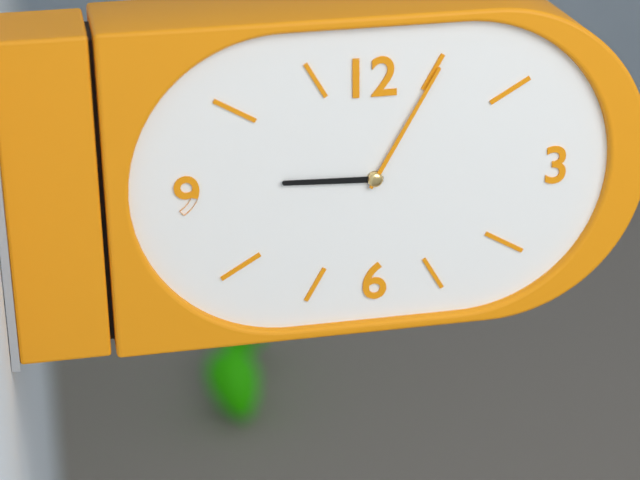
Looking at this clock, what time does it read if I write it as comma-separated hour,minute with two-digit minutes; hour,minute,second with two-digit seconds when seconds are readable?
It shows 9,05
